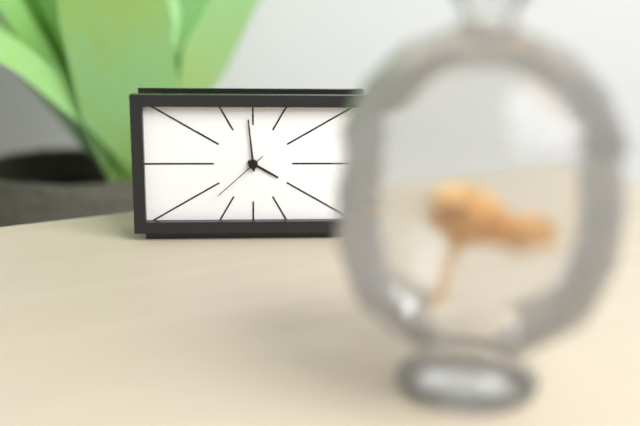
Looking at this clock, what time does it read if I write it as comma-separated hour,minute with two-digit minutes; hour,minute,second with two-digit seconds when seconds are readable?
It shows 3,59,38
